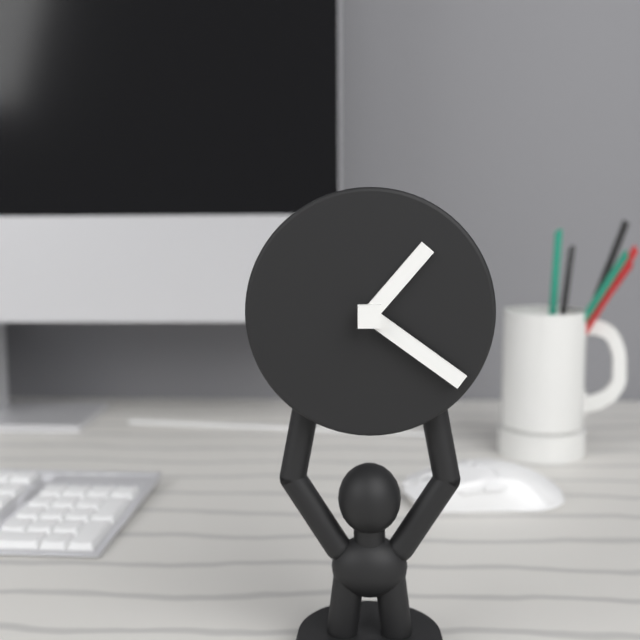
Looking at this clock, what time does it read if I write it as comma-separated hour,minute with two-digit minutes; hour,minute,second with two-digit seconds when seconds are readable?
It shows 1,21
